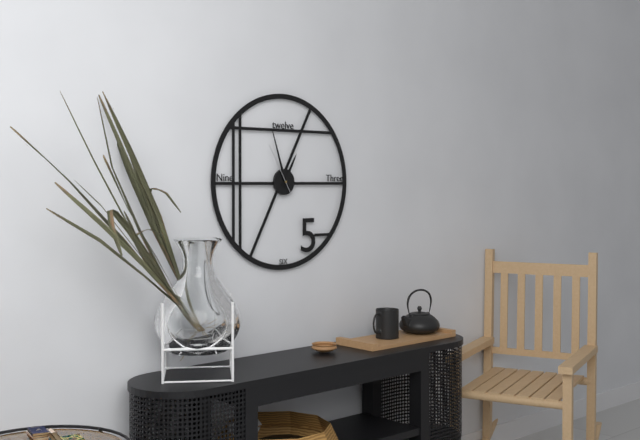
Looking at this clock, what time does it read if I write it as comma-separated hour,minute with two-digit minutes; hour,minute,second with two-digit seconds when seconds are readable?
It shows 12,57
